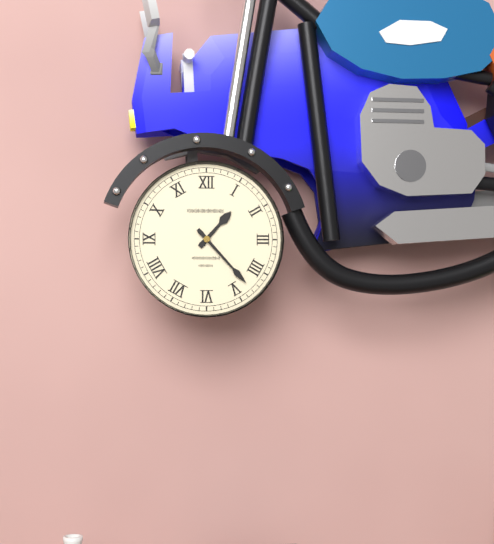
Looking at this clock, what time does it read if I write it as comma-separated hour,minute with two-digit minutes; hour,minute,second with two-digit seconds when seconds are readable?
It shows 1,23
